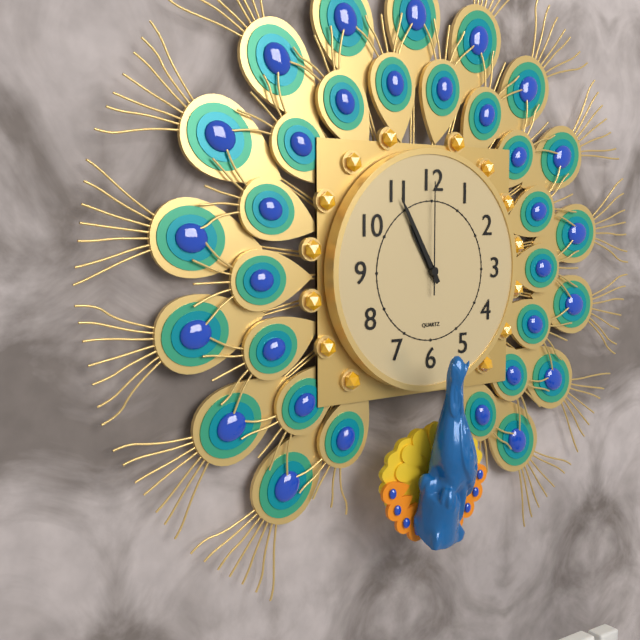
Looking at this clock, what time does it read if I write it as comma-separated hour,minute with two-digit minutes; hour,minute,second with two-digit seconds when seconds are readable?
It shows 10,55,00
